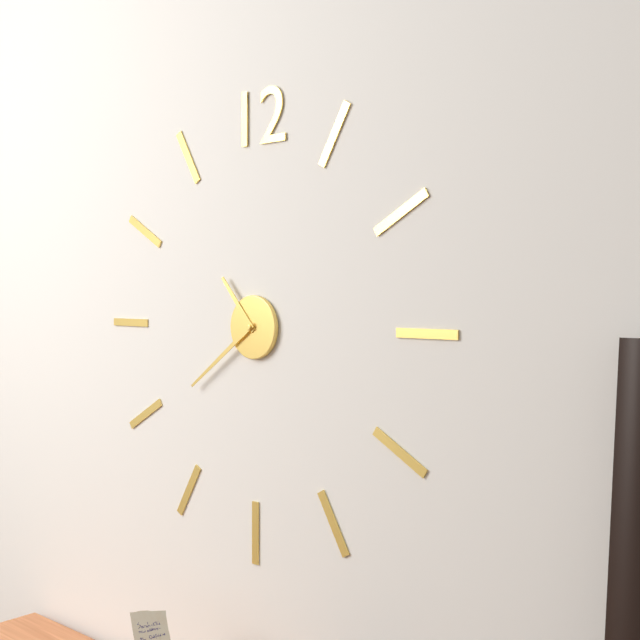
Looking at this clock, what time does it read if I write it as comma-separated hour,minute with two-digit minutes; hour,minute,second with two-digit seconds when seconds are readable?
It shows 10,39
